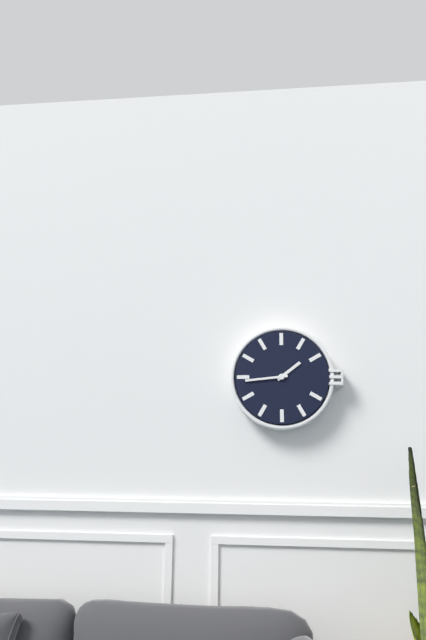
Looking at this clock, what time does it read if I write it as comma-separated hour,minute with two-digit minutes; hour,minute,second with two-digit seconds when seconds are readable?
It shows 1,44
